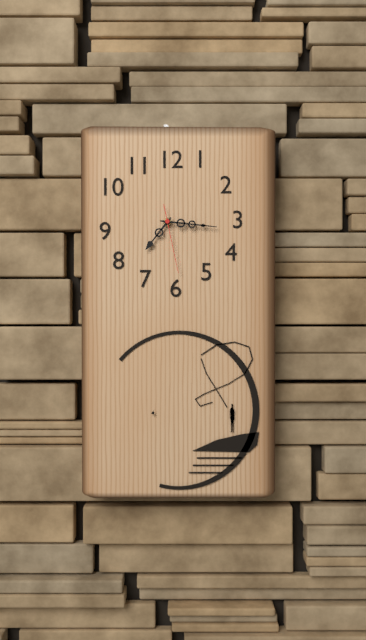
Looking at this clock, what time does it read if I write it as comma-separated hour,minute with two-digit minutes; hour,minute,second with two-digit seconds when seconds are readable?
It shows 7,16,28
